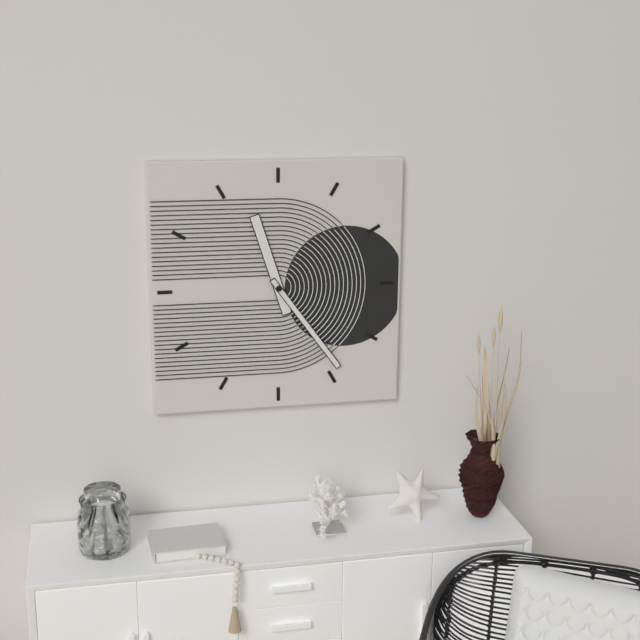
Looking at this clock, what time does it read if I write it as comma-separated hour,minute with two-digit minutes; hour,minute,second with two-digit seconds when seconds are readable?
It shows 11,24
